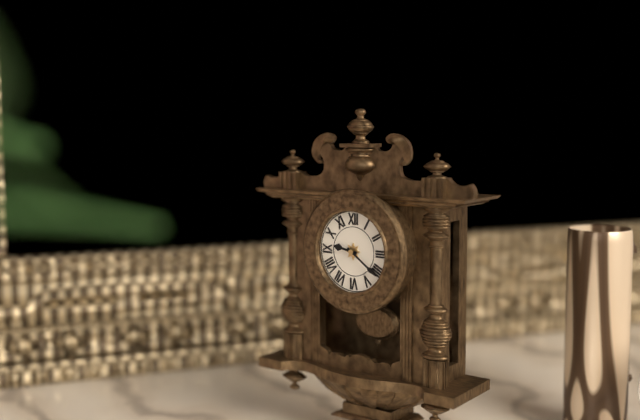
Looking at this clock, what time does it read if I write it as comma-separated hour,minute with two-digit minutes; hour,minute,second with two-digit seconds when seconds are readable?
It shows 9,21
